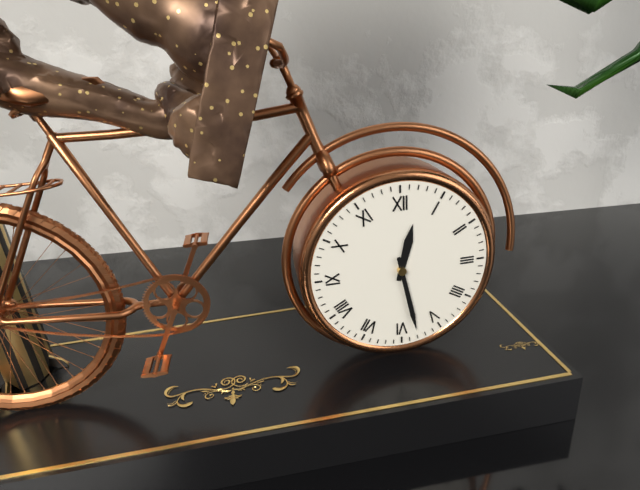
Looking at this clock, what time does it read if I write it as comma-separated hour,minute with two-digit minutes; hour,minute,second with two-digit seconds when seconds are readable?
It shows 12,28
